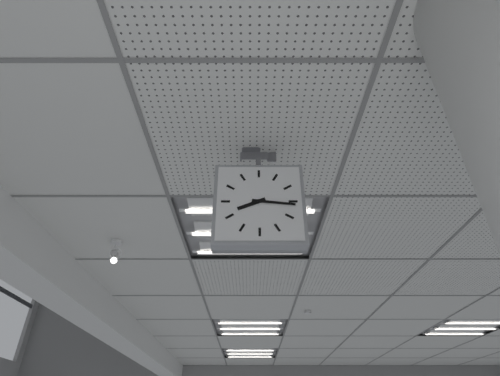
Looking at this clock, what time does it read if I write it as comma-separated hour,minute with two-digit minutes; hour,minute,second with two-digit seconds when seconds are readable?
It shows 8,16
